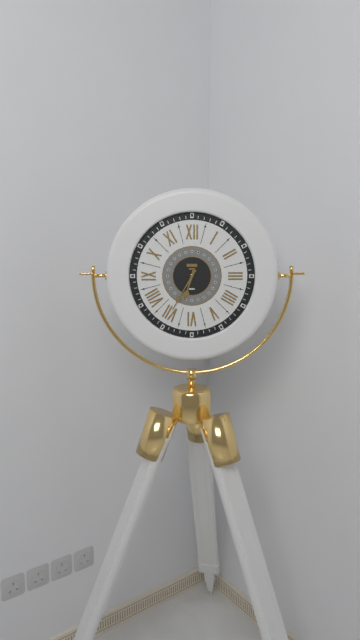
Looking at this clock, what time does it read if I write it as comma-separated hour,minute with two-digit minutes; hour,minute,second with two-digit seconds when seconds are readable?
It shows 6,35
